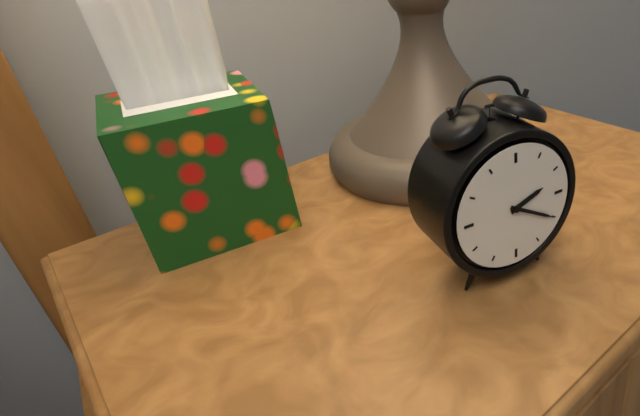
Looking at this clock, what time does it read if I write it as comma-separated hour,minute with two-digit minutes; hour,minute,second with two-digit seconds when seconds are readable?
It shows 2,20
